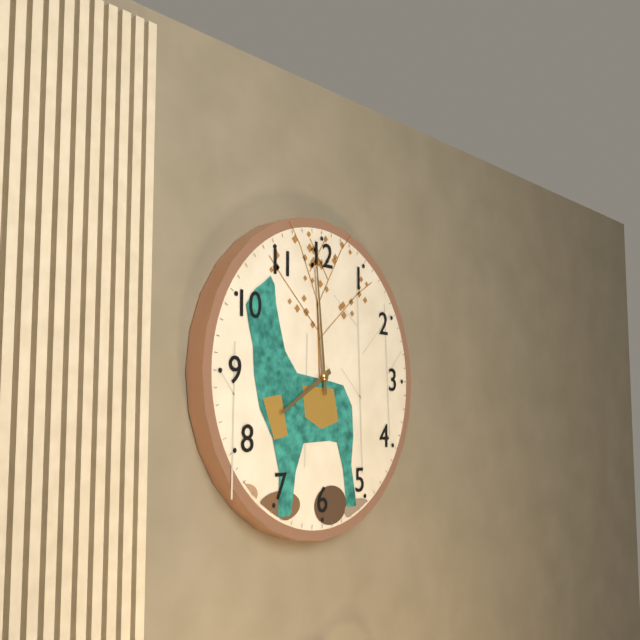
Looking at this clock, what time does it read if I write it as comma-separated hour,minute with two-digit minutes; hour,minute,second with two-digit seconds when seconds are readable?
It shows 7,59
